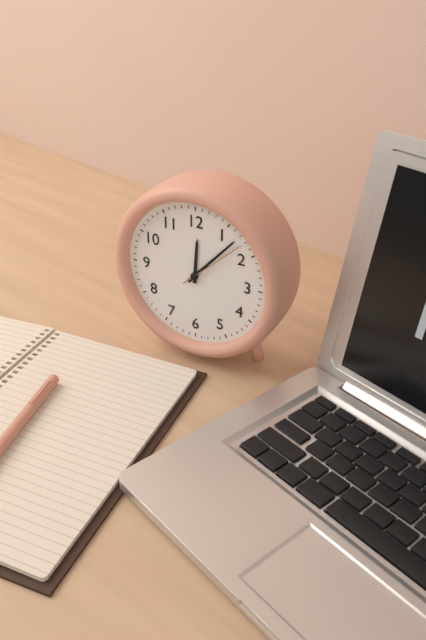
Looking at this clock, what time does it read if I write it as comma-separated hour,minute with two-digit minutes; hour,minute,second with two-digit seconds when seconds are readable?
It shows 12,07,08
